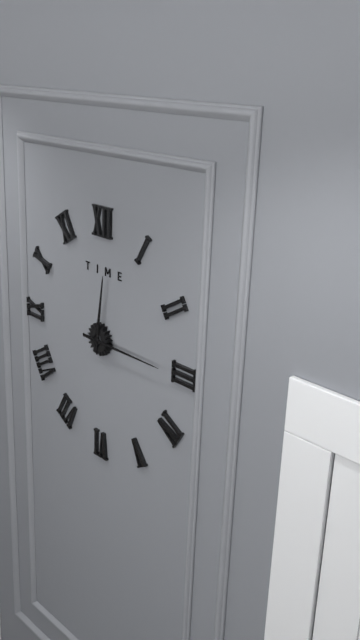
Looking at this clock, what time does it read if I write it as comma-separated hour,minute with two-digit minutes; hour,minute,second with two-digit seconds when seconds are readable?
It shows 12,15
